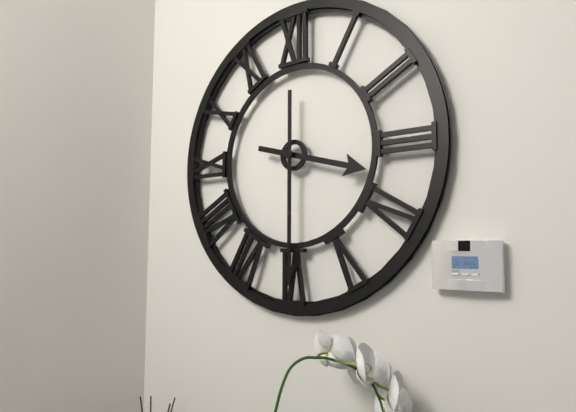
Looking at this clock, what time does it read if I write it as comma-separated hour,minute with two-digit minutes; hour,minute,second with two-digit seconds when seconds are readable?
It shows 3,30
